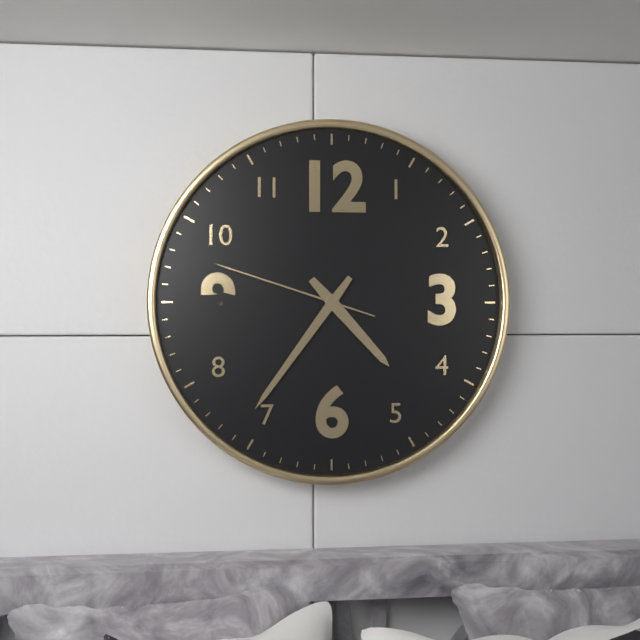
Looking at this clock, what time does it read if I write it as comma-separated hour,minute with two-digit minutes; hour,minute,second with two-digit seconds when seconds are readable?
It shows 4,36,48
